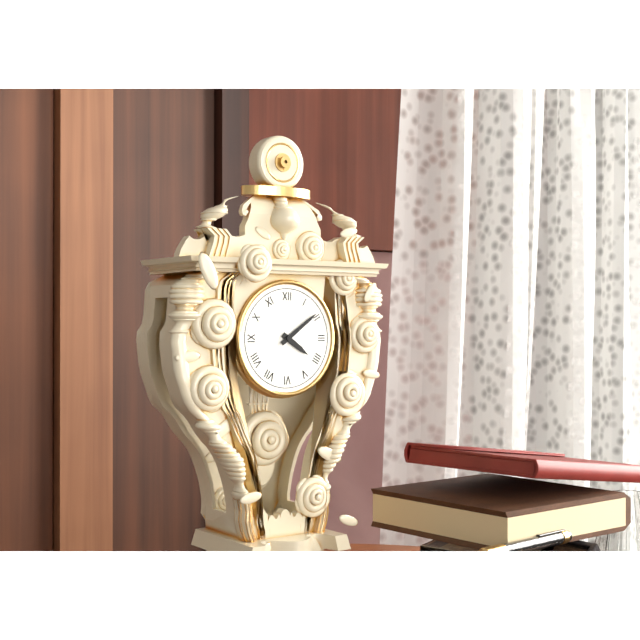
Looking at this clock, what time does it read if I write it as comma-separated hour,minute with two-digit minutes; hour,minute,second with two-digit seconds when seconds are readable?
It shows 4,09
